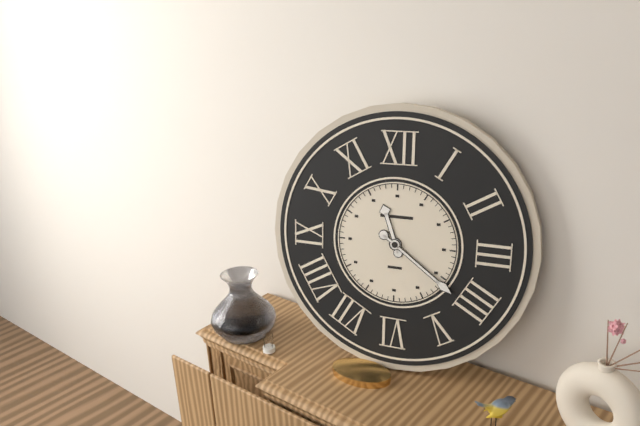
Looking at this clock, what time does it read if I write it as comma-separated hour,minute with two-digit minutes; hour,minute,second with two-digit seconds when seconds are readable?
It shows 11,21
